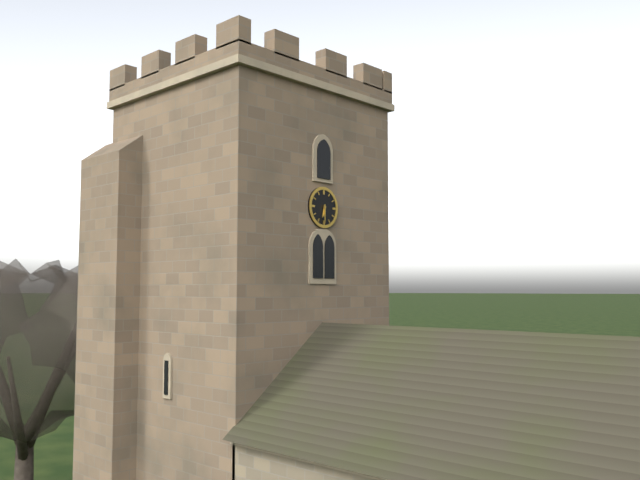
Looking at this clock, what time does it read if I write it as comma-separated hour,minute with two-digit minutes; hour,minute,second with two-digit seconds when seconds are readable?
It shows 6,30
